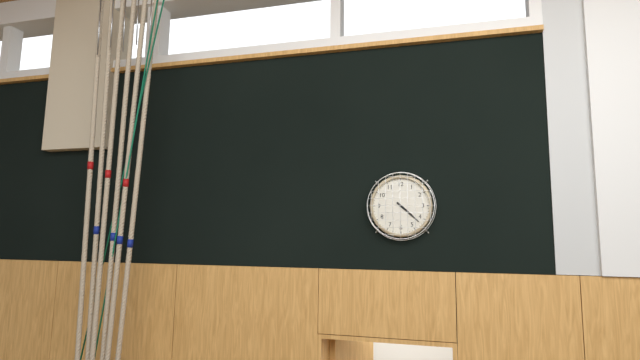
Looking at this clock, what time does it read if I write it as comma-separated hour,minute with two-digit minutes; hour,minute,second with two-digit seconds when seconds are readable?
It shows 4,22
